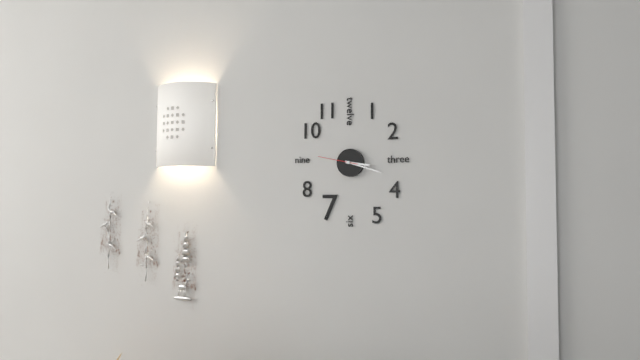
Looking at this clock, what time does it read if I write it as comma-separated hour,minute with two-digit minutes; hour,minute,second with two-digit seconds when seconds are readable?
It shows 3,18
